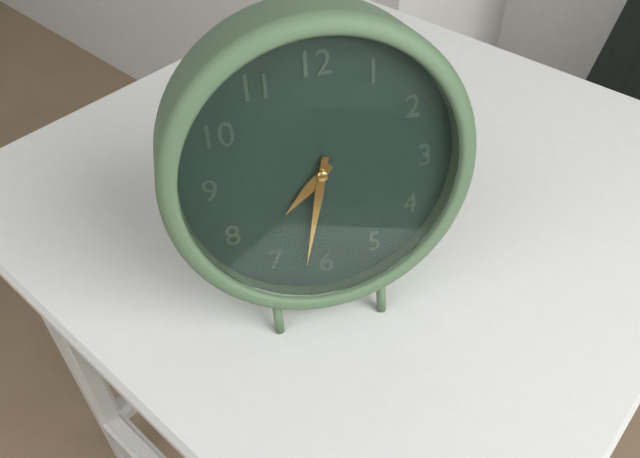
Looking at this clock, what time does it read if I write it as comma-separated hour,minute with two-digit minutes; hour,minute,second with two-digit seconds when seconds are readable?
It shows 7,32
